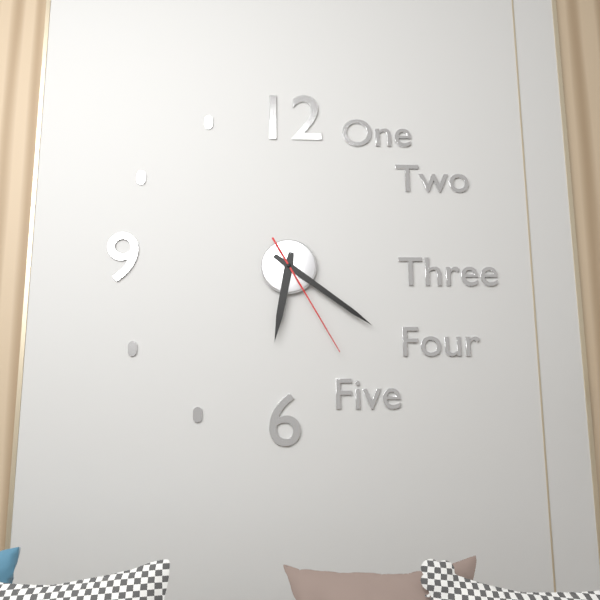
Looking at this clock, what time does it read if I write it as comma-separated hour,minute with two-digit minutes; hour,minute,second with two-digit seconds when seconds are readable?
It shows 6,21,25
